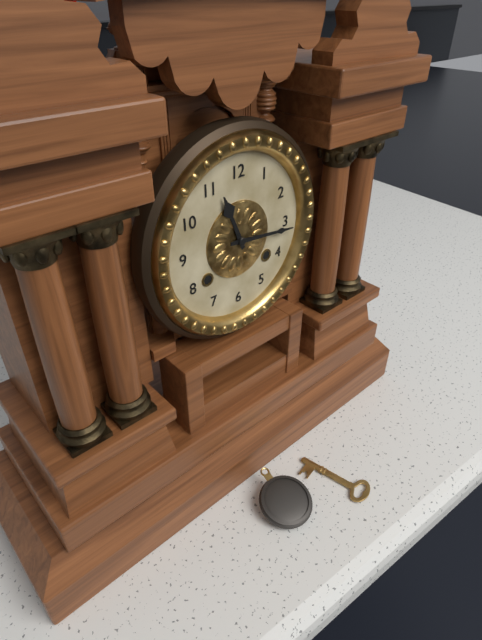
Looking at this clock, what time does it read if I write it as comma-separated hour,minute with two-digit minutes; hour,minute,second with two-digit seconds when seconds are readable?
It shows 11,16
